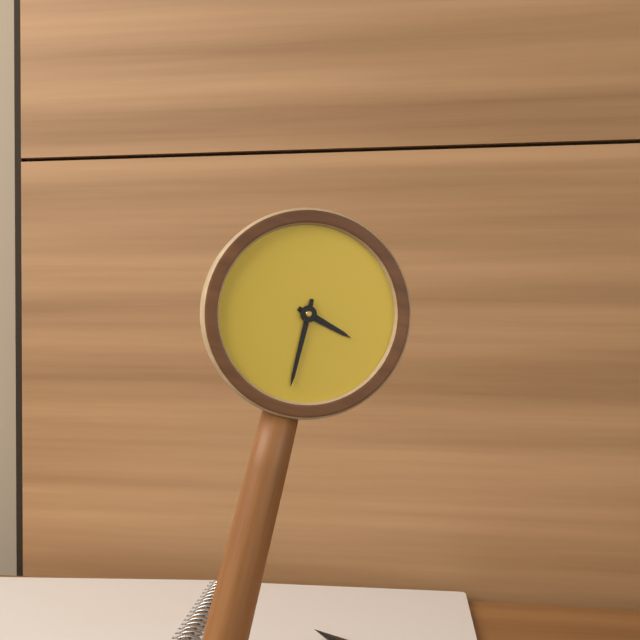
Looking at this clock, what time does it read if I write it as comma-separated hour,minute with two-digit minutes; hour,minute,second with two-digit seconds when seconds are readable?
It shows 3,30
